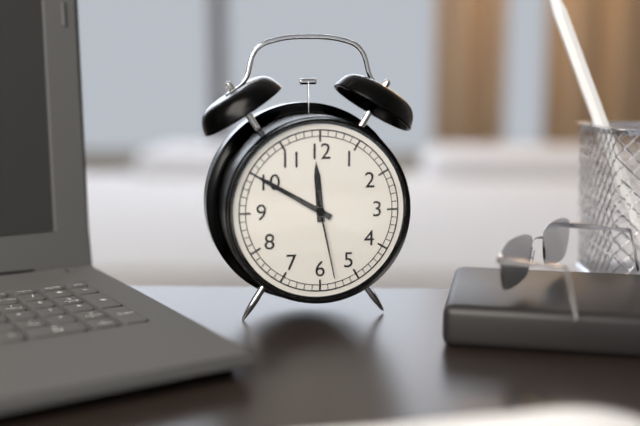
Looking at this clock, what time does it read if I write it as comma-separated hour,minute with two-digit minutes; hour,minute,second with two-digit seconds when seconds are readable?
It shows 11,50,28
